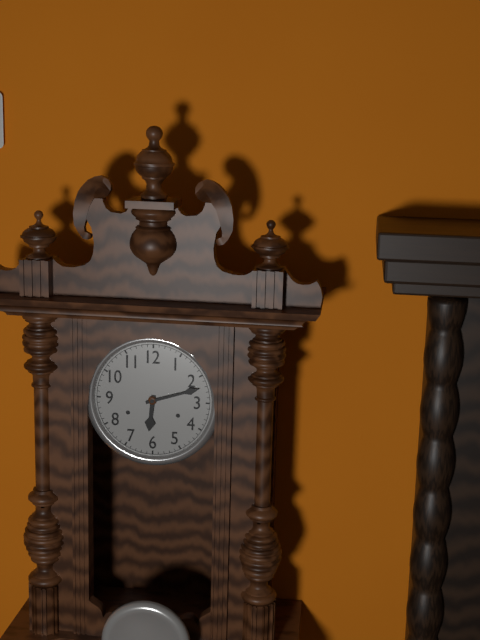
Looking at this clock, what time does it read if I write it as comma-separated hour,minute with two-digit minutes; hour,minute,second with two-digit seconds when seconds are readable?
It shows 6,12
